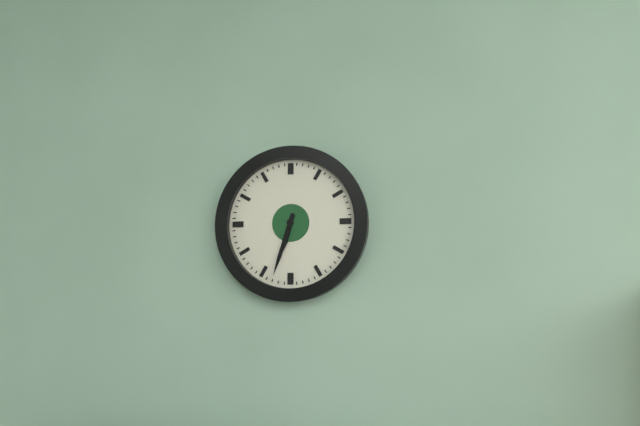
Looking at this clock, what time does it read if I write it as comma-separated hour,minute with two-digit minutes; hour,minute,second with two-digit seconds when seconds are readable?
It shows 6,33
